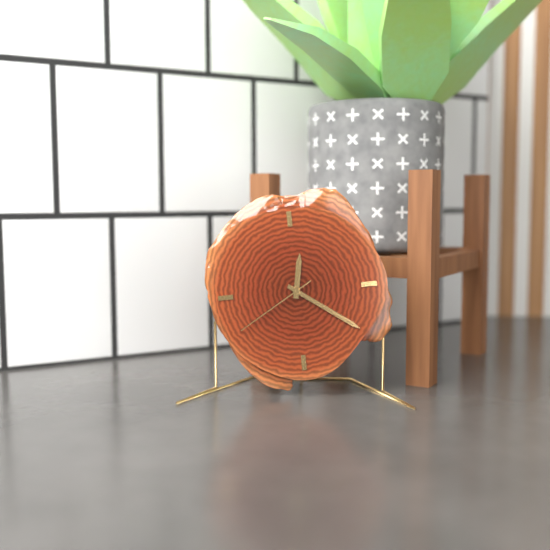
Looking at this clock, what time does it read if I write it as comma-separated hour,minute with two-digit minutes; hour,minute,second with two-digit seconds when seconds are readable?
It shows 12,21,40
